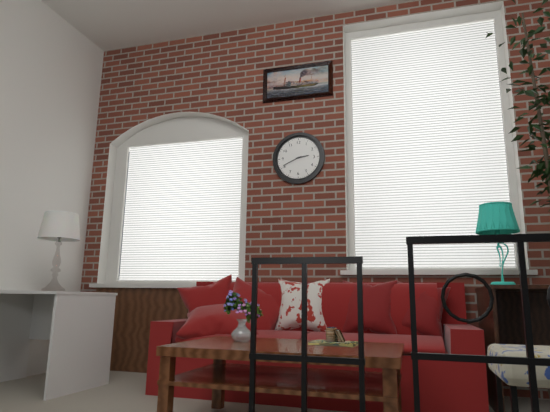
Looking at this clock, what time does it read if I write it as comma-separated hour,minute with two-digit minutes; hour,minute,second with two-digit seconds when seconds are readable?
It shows 2,41
